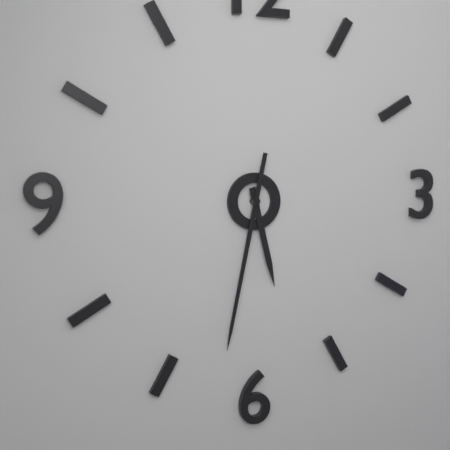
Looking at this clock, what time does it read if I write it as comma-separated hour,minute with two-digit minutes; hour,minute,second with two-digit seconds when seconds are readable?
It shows 5,32
